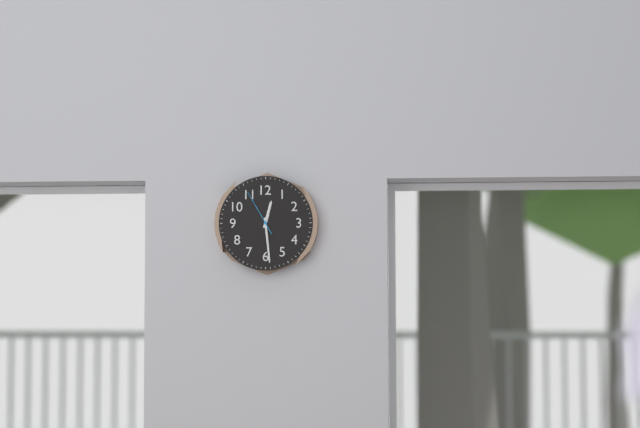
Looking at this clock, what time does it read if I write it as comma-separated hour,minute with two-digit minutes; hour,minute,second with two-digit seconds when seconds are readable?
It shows 12,29
